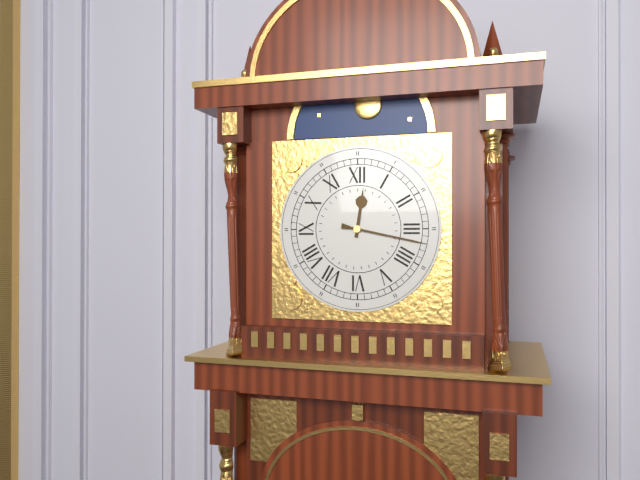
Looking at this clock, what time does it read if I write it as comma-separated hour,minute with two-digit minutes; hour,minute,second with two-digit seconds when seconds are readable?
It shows 12,17
